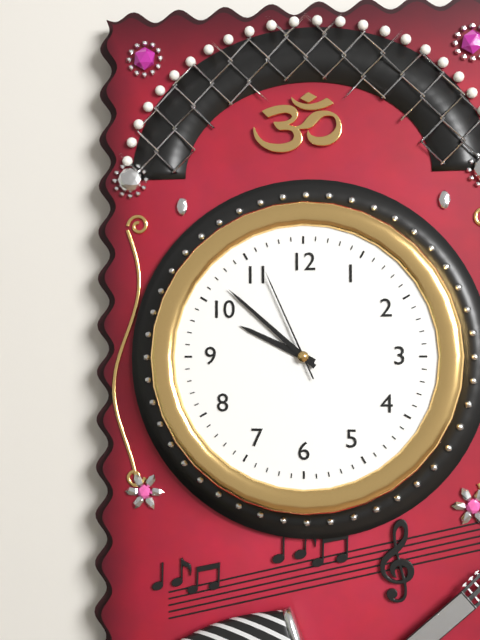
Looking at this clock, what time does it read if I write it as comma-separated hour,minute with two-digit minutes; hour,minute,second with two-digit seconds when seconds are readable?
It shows 9,52,56
